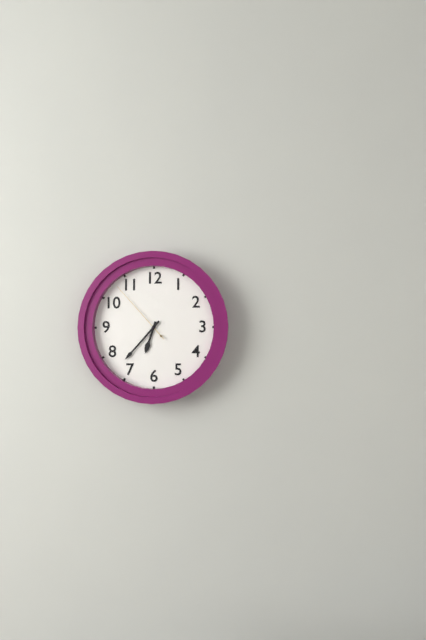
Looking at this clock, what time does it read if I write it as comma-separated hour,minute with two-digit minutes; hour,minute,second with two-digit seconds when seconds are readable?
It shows 6,37,53
